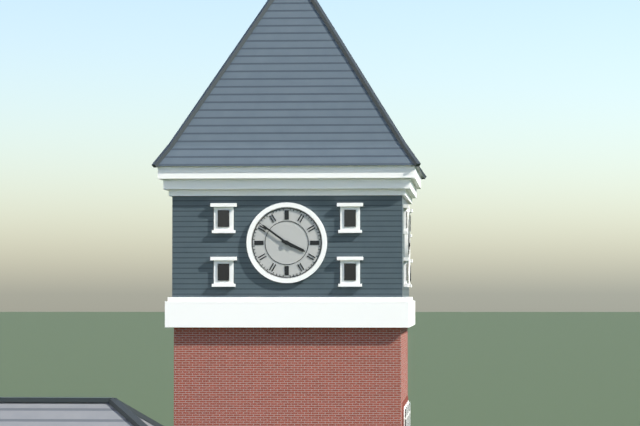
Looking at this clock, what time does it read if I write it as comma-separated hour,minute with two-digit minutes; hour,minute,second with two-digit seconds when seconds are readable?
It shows 3,51
